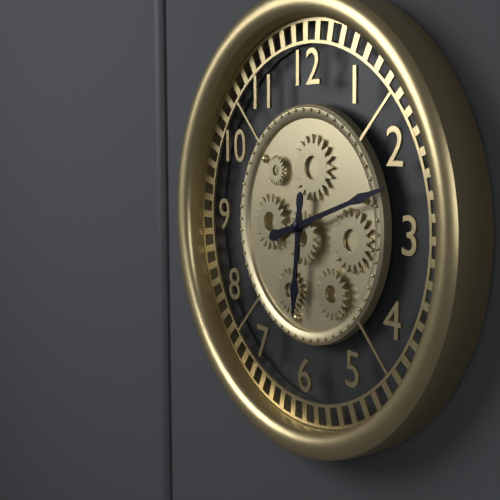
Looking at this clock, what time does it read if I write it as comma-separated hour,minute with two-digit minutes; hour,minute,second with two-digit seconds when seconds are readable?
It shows 6,12
